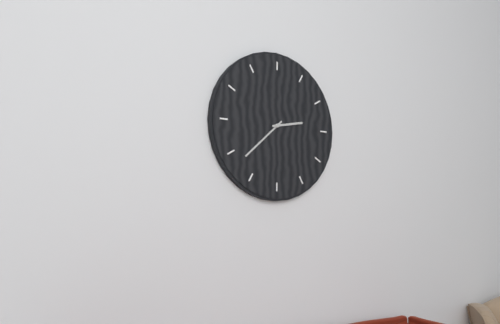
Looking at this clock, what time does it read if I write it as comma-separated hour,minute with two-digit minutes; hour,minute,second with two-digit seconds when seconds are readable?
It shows 2,38
